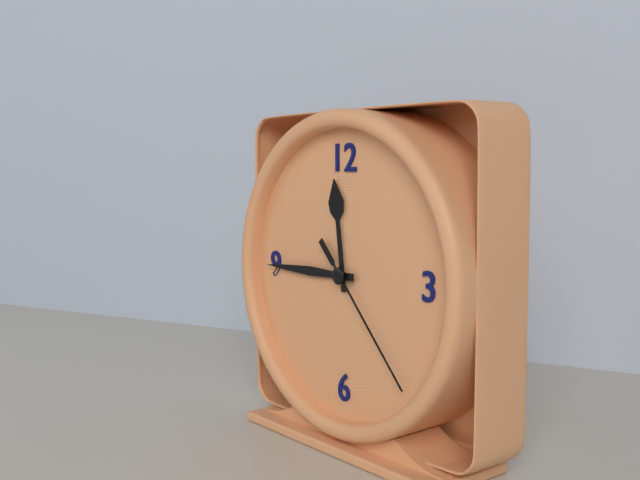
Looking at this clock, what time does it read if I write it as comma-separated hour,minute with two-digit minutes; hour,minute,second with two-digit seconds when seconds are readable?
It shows 11,45,23
